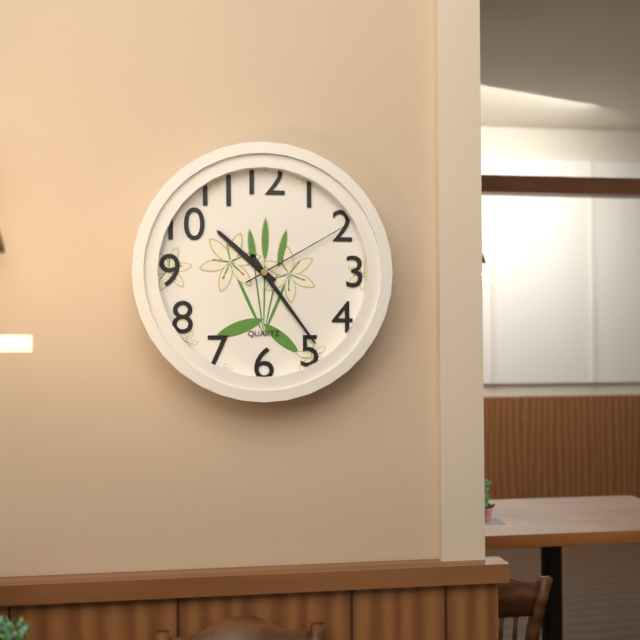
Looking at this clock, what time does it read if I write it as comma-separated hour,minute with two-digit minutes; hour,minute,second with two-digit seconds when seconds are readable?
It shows 10,24,10
